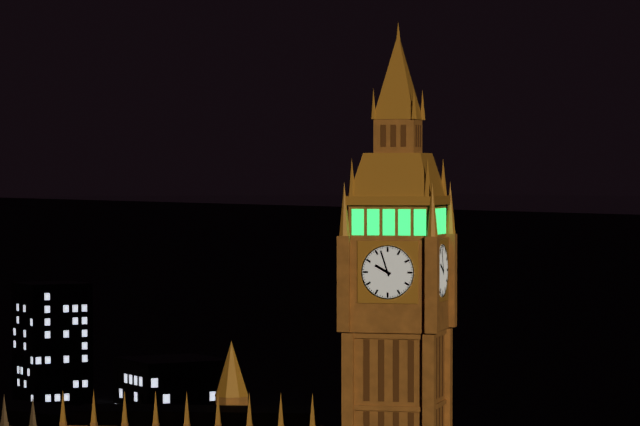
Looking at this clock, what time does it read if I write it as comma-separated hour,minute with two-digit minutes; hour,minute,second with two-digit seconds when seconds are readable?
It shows 9,57
